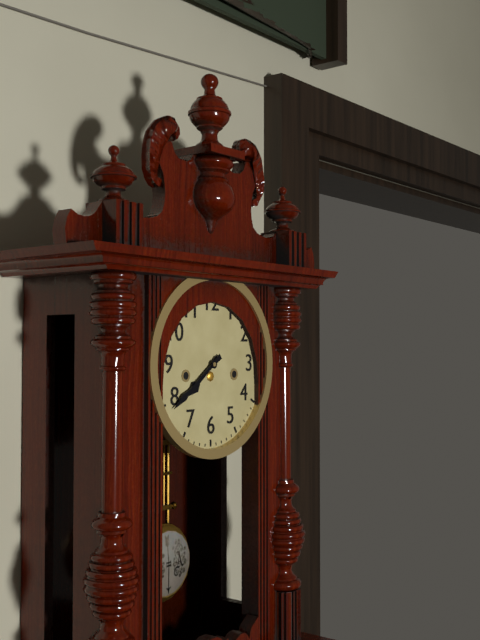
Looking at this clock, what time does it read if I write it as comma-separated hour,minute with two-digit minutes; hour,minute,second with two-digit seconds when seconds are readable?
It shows 7,39
